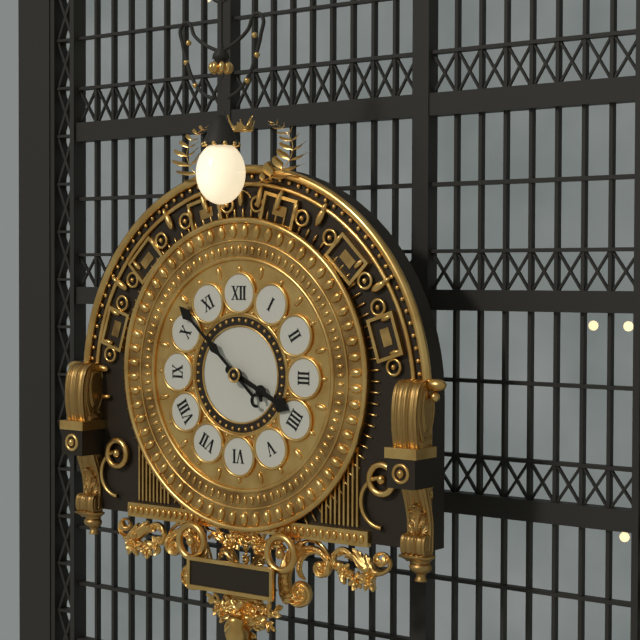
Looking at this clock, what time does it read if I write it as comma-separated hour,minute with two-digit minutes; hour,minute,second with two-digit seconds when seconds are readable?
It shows 3,52
